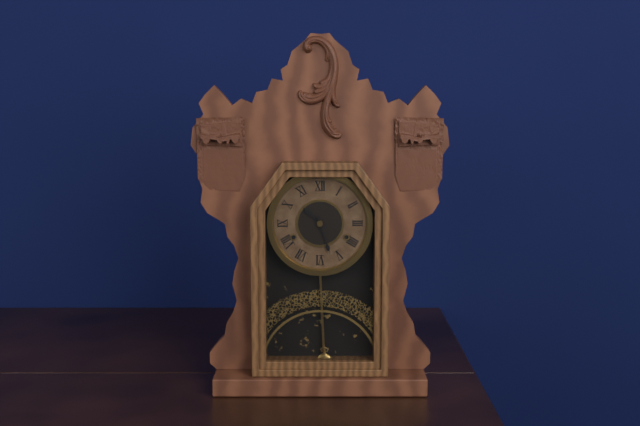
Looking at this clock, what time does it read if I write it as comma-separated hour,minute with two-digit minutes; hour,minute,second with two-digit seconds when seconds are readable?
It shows 10,27
